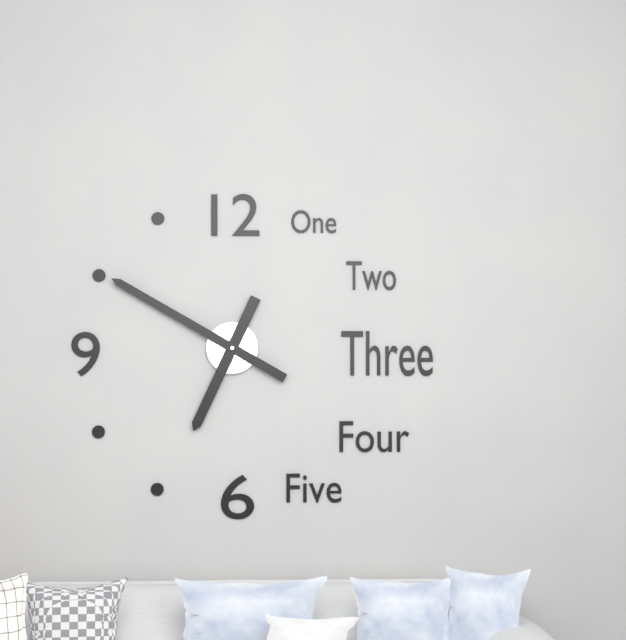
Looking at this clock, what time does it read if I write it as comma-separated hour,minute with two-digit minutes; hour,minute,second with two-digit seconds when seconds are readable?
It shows 6,50
